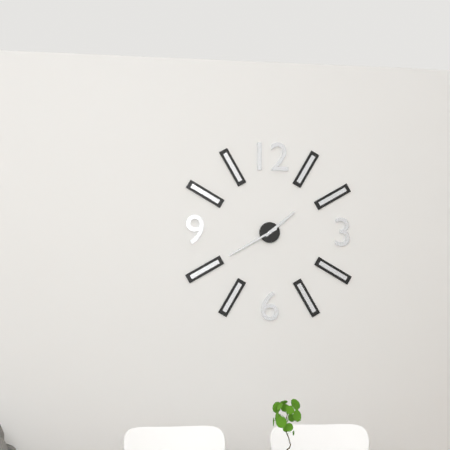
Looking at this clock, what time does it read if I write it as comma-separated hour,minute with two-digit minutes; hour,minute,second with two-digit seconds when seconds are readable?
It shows 1,40
